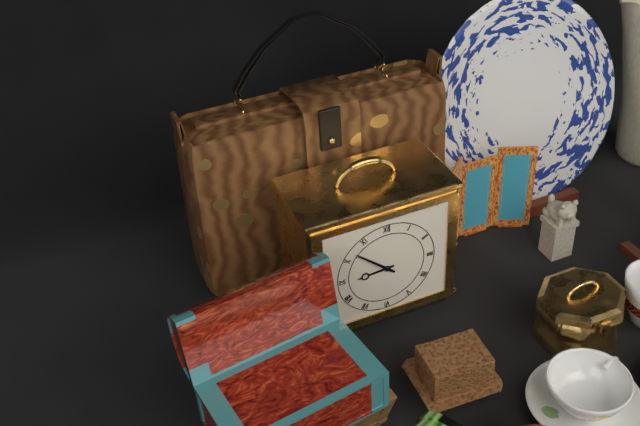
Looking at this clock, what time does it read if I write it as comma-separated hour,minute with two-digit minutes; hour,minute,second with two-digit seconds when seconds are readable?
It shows 8,52
